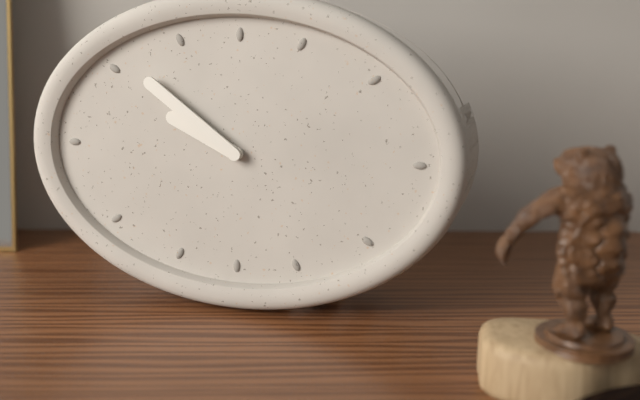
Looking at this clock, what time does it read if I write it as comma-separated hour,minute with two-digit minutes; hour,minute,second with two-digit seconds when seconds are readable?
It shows 9,51
